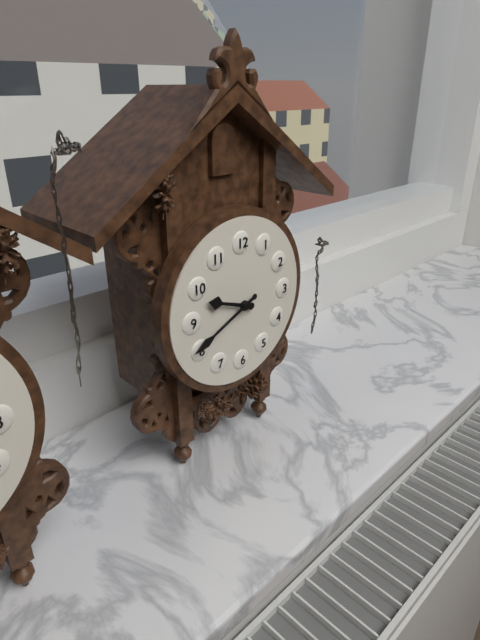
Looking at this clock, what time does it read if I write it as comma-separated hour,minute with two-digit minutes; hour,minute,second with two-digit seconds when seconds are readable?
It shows 9,41
